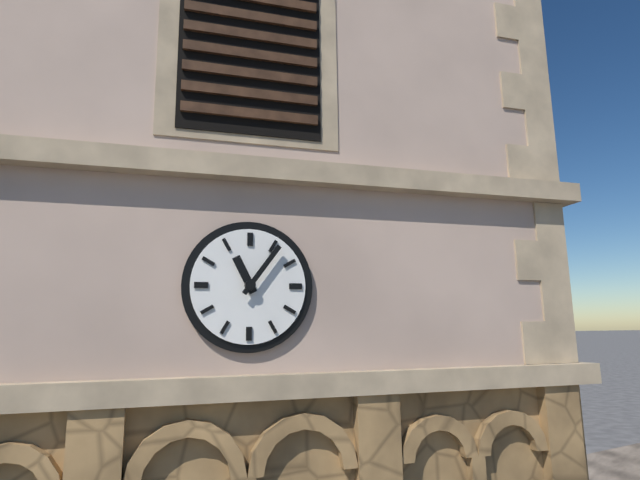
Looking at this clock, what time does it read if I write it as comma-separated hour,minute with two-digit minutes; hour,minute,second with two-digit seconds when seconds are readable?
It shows 11,06
